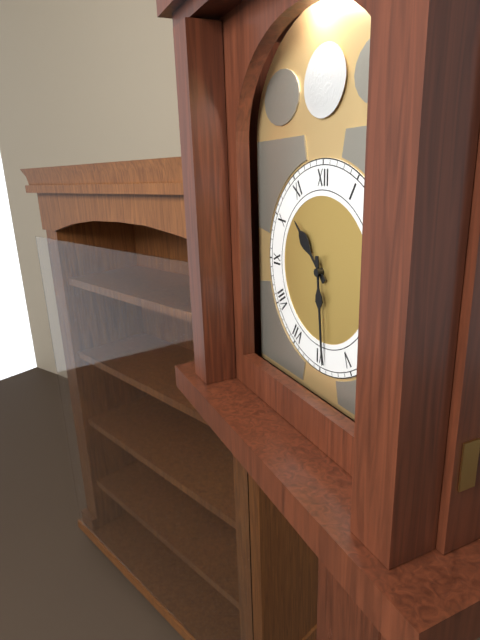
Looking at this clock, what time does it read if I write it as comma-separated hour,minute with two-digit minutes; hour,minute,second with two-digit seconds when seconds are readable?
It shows 10,29
